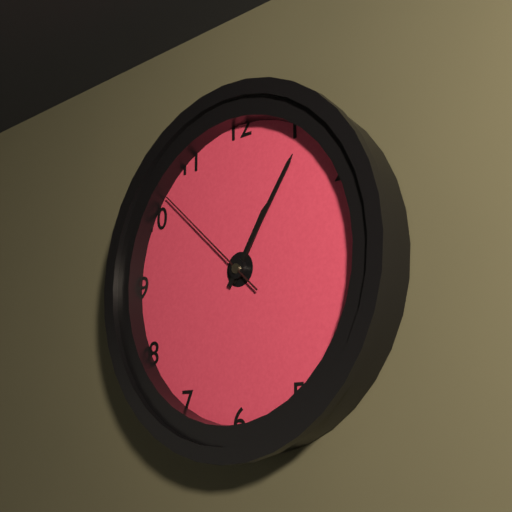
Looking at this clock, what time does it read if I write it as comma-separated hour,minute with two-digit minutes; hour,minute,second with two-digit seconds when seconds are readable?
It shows 1,06,52
